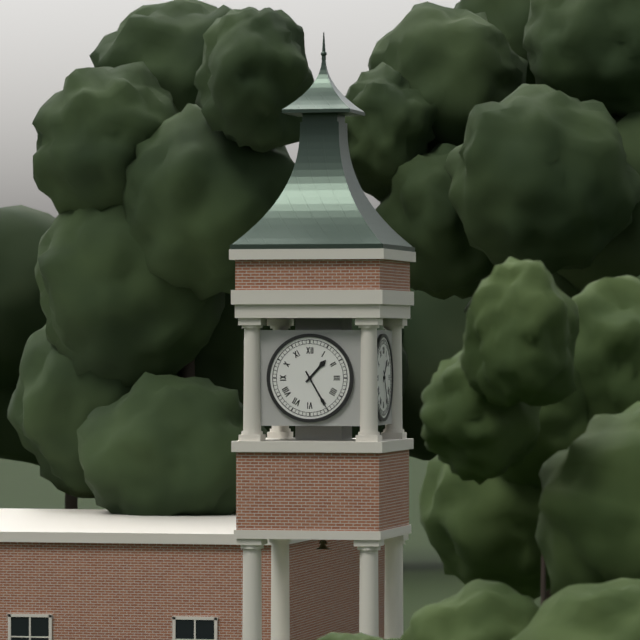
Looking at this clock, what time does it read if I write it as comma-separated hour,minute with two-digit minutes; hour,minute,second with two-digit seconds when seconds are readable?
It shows 1,25
